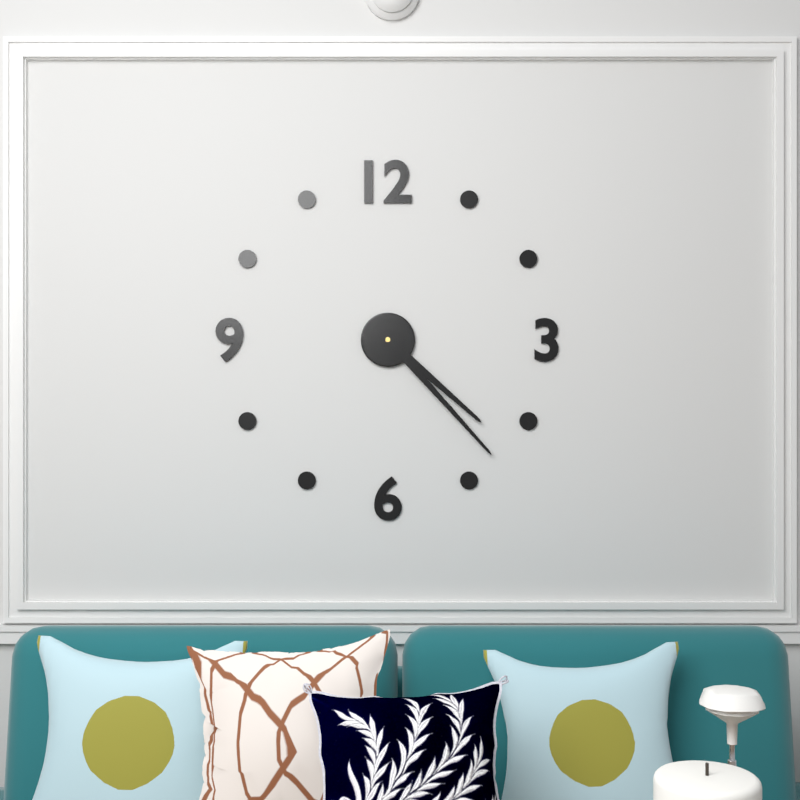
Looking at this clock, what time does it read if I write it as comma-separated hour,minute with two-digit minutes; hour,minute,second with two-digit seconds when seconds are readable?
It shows 4,23
